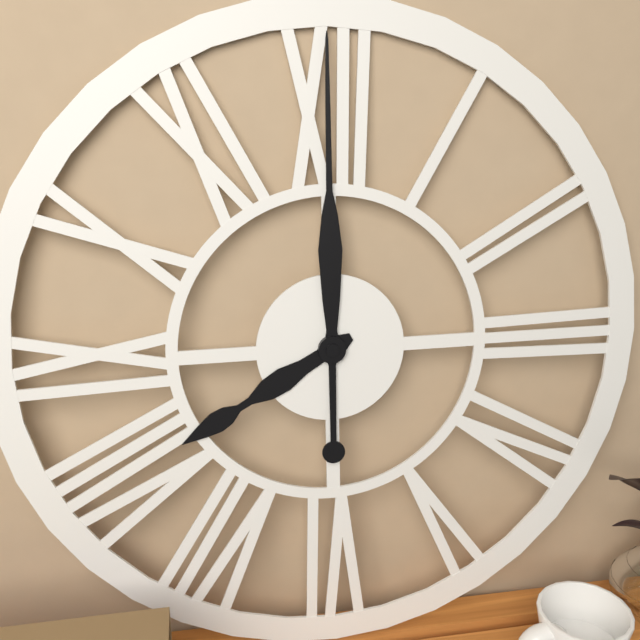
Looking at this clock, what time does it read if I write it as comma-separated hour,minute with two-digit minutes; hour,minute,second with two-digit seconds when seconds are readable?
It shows 8,00
